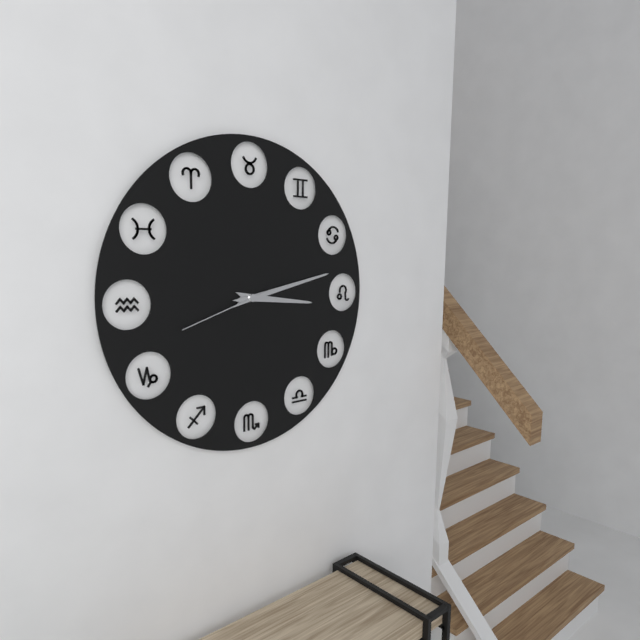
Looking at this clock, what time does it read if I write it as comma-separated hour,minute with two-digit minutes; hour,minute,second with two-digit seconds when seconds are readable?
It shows 3,13,42
